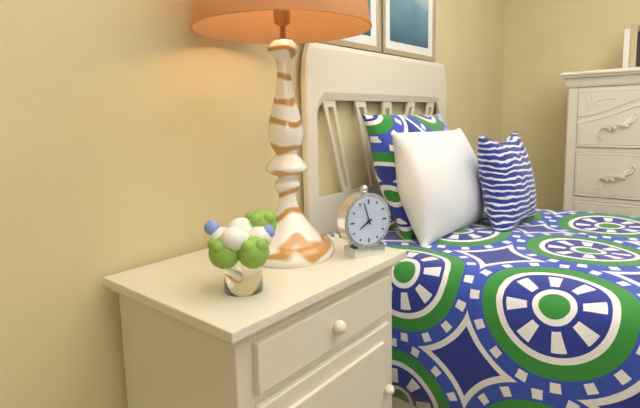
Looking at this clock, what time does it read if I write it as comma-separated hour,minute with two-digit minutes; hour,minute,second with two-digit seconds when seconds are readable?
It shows 7,57
